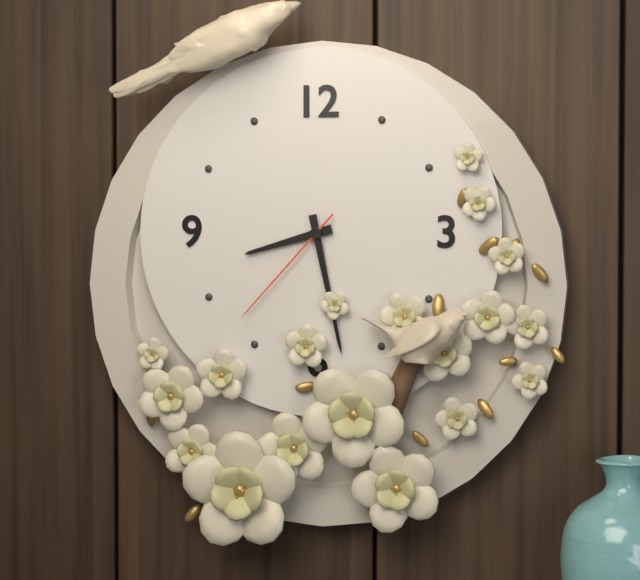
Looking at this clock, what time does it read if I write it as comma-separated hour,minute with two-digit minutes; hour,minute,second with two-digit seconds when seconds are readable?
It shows 8,28,37
